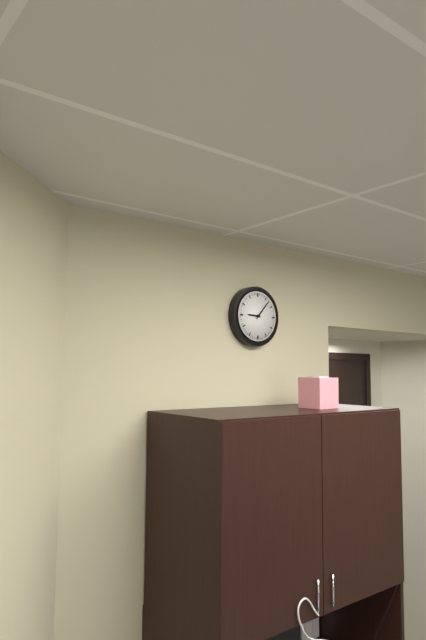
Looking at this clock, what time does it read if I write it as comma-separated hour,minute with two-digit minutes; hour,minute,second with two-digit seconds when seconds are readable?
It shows 9,07
